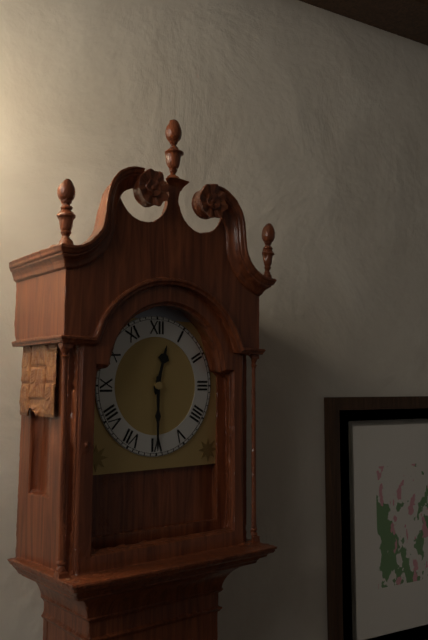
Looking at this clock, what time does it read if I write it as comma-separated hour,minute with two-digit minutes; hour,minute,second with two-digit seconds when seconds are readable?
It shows 12,30
